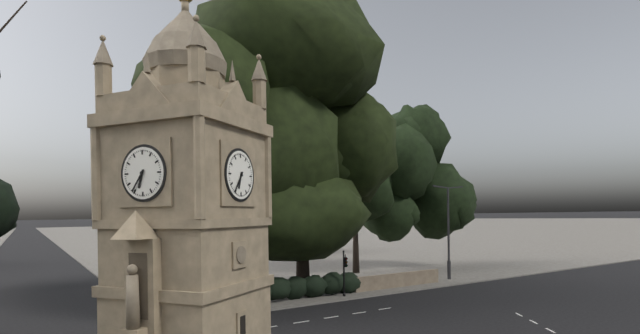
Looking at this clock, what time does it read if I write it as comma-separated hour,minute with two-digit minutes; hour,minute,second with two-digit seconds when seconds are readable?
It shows 6,36
